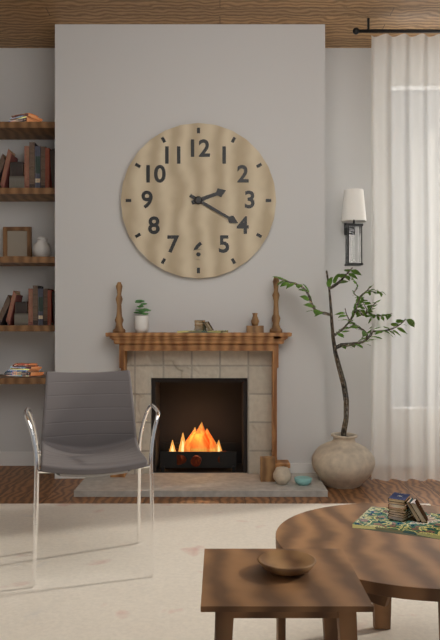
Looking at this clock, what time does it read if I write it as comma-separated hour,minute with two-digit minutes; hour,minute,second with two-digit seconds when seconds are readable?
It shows 2,20
